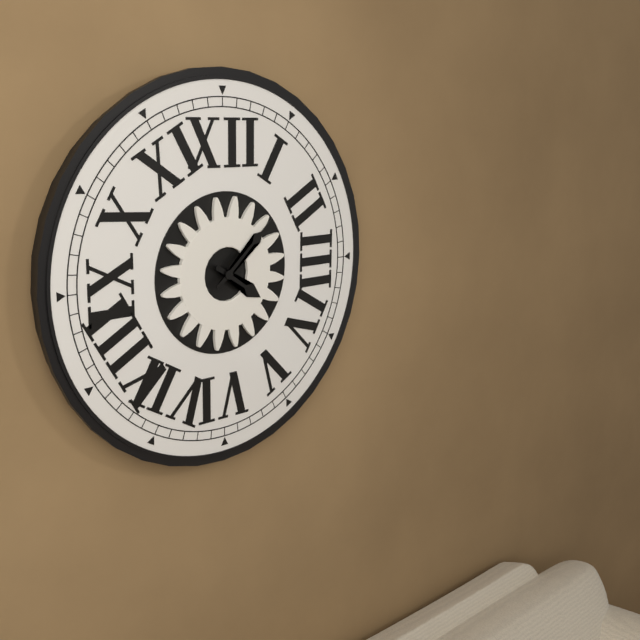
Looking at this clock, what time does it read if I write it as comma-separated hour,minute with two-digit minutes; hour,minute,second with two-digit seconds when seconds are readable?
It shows 4,08
